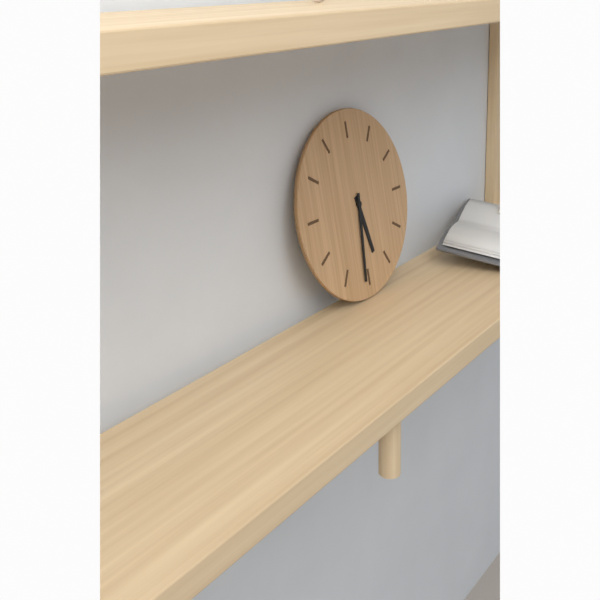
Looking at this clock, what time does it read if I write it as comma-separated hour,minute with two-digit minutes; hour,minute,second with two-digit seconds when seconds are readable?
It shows 5,31
